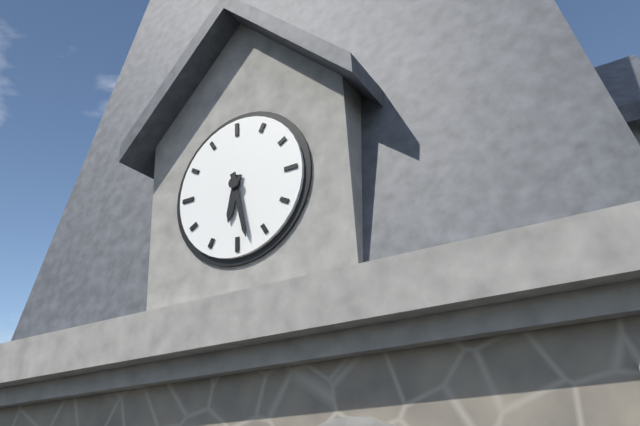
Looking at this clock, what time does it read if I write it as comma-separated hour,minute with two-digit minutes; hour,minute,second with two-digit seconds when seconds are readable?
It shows 6,28
